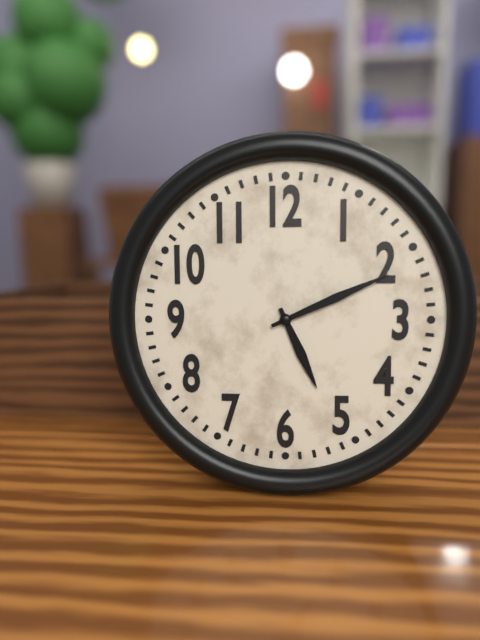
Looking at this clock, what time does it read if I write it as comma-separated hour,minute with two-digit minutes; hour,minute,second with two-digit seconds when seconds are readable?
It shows 5,11
